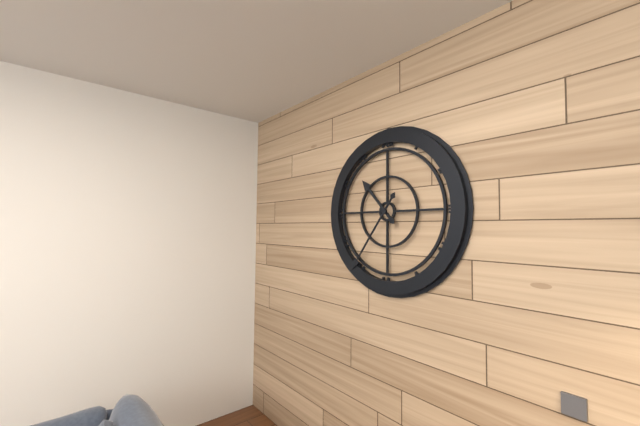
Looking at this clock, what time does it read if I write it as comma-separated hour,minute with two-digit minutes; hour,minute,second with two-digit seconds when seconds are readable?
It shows 10,36
